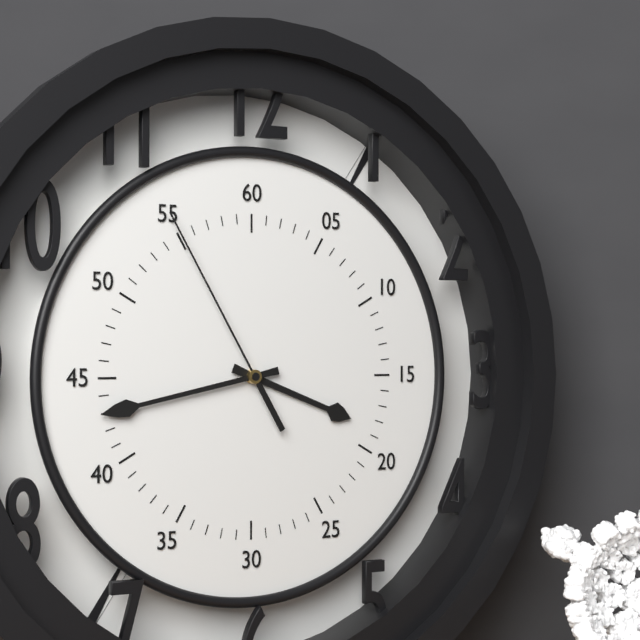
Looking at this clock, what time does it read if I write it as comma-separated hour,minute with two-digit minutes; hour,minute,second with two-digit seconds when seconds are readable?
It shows 3,43,55
